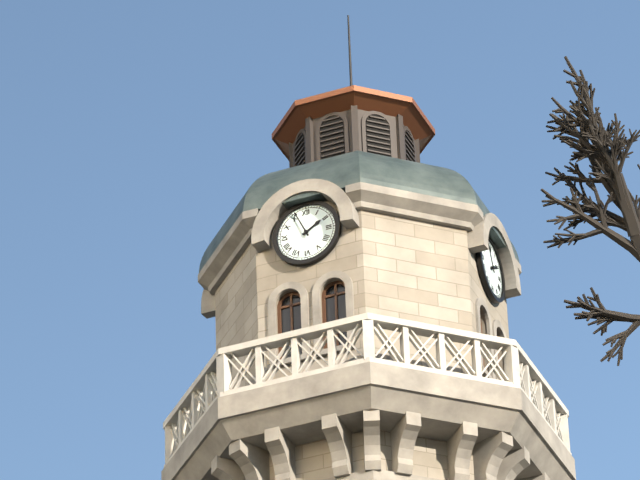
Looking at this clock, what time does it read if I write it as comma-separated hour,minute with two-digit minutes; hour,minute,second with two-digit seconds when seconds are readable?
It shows 1,56
